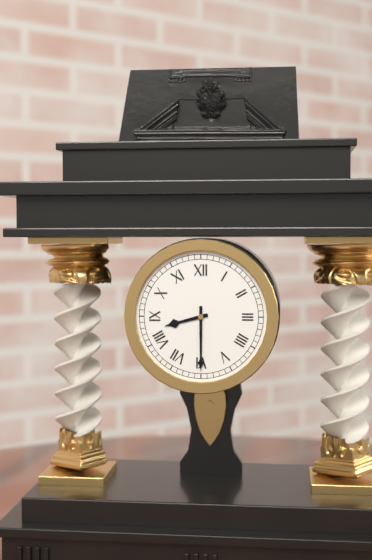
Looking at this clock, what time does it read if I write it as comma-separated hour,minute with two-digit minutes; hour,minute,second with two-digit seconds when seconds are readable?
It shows 8,30
